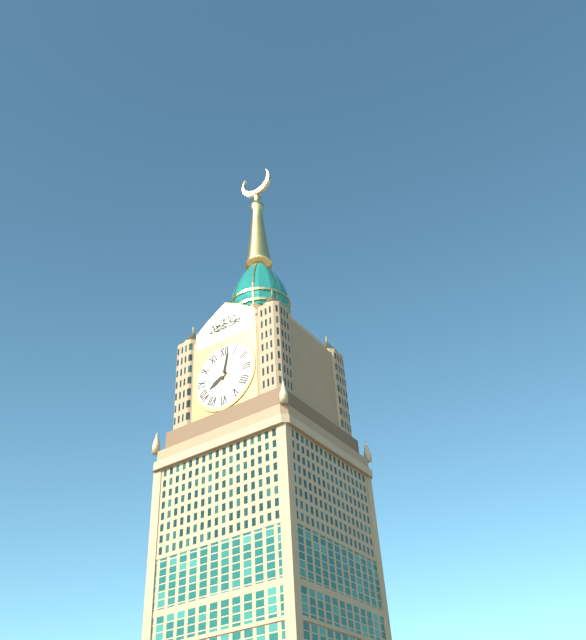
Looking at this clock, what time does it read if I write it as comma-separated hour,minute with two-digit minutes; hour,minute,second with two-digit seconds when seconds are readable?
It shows 8,02
